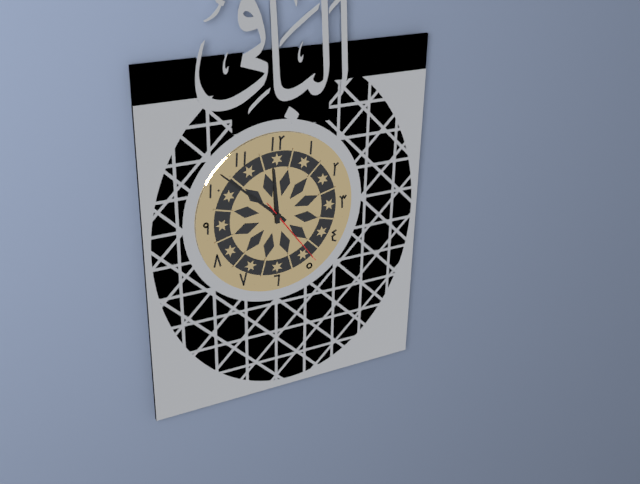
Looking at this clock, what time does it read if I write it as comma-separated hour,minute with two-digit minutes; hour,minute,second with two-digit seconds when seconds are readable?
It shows 11,52,24
